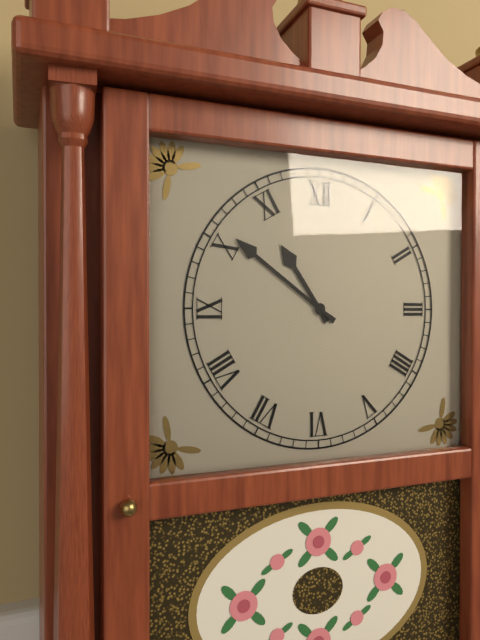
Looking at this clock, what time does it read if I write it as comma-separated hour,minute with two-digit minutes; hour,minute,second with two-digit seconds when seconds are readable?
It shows 10,51
